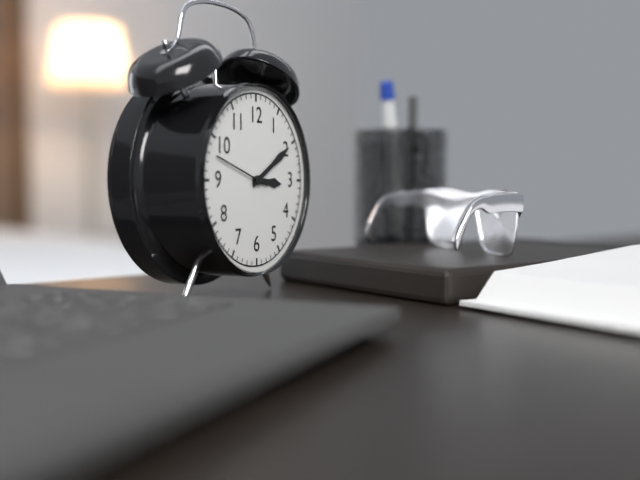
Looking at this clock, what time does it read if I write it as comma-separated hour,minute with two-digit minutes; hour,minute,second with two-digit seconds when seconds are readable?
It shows 3,10,48
